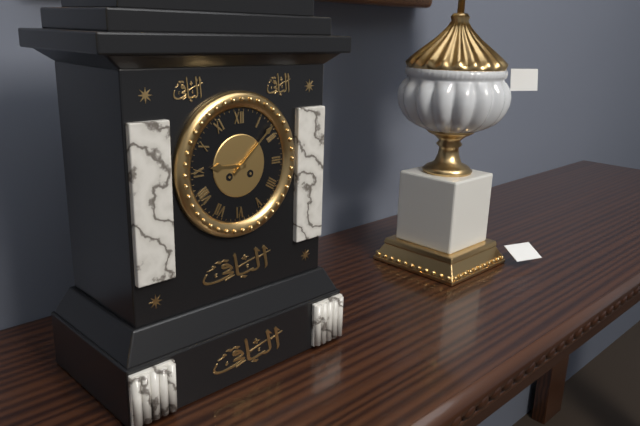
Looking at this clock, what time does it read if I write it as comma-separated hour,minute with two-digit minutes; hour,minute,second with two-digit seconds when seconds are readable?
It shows 9,08
